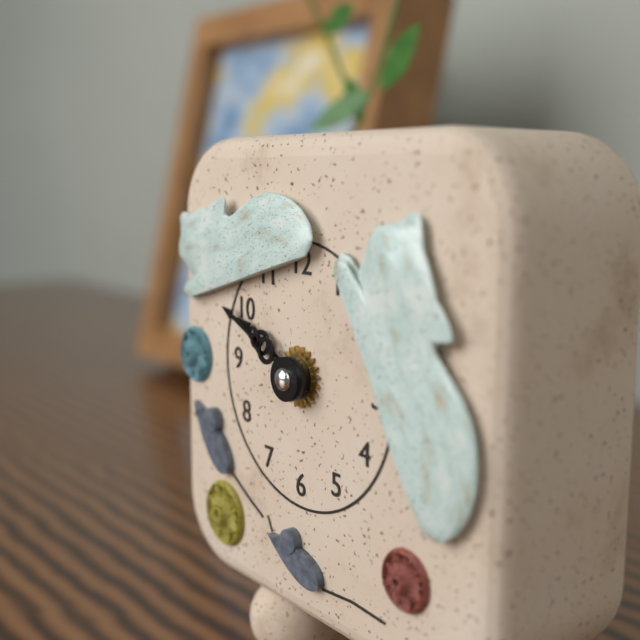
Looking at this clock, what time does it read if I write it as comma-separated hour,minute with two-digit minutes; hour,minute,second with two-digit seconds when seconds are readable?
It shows 9,49
